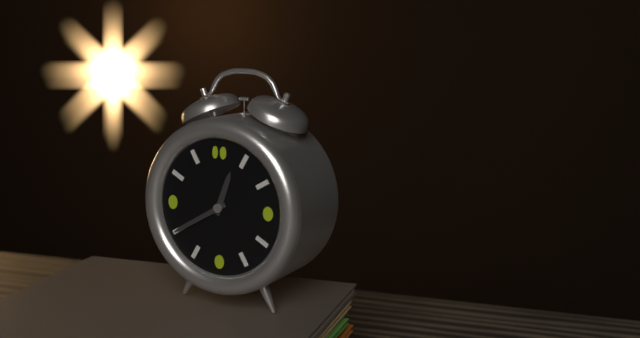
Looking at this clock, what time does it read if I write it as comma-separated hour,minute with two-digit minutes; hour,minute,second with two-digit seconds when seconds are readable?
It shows 12,40
